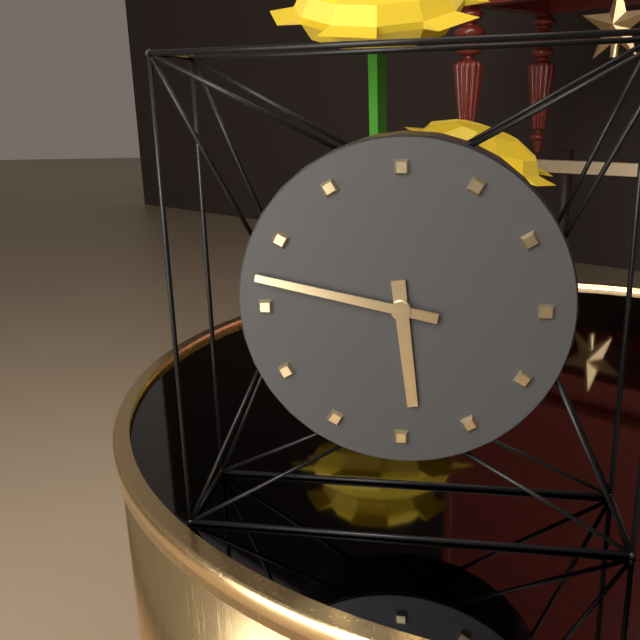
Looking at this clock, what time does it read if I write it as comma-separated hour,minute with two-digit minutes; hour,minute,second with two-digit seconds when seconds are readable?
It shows 5,47
